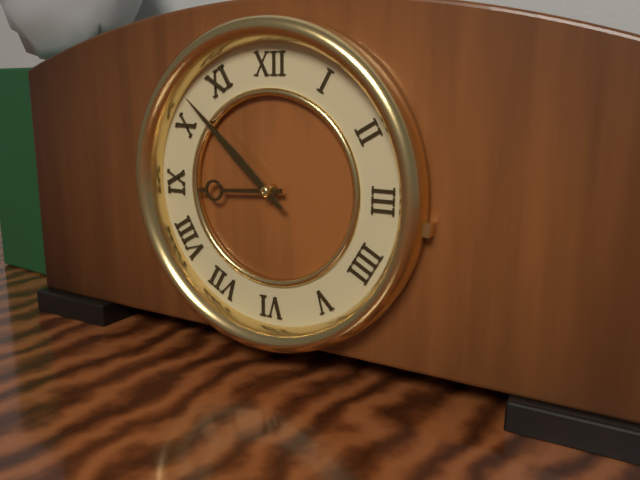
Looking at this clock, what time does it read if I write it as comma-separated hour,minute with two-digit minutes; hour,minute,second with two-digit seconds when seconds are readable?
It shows 8,52
